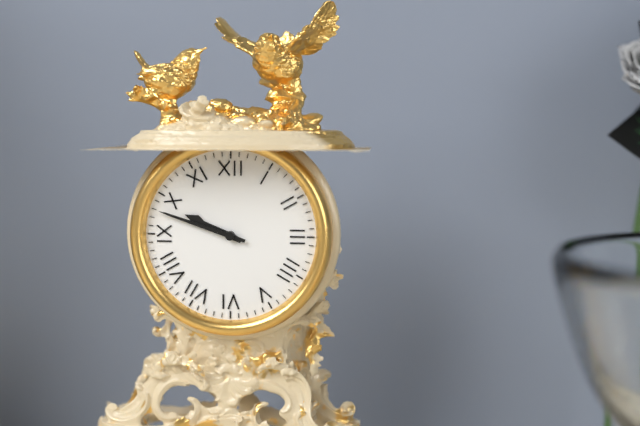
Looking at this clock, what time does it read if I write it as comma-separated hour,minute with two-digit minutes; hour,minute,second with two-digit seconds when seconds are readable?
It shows 9,48
